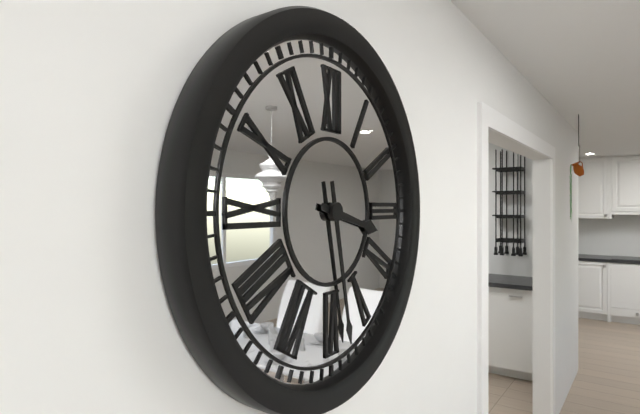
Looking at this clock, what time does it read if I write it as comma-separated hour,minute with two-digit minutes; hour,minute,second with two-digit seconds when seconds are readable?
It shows 3,28
